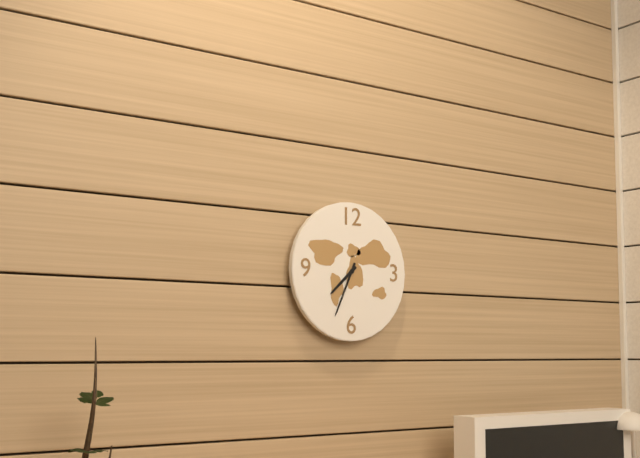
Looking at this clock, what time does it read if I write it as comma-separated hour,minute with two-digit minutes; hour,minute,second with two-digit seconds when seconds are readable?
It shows 7,34
